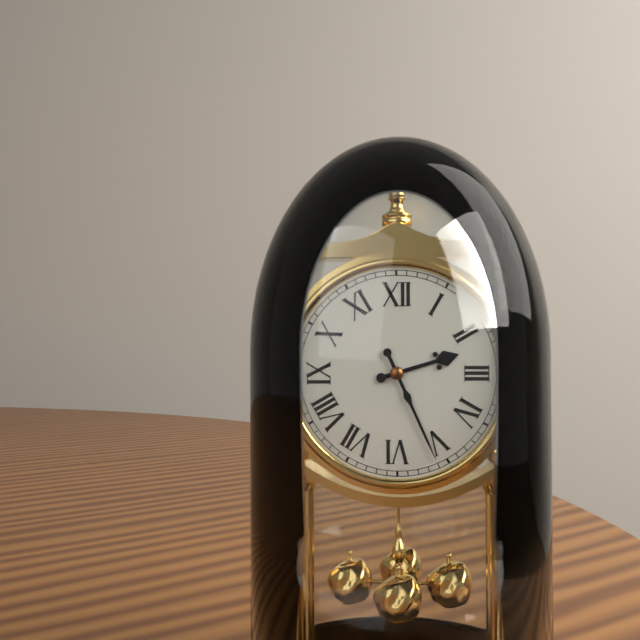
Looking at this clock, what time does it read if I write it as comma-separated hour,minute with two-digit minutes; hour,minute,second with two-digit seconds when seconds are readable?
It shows 2,26
